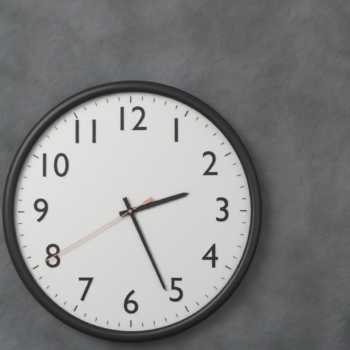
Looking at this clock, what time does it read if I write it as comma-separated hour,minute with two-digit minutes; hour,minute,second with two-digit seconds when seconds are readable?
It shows 2,26,40
